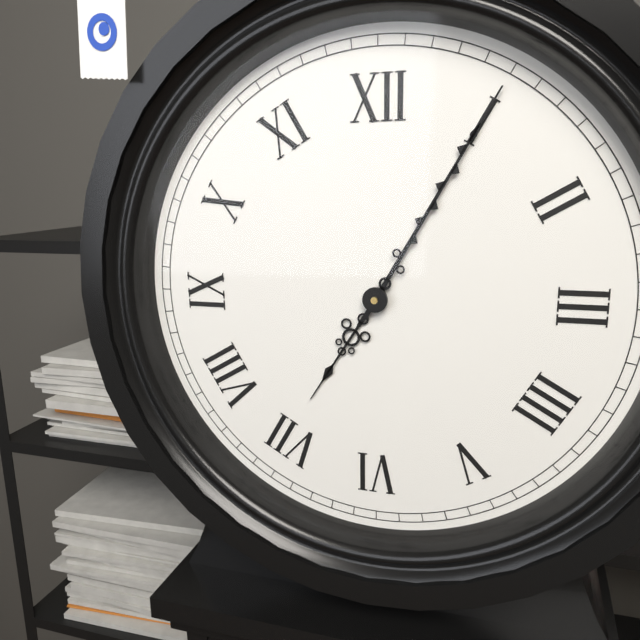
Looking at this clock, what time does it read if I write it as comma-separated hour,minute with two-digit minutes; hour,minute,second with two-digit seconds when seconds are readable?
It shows 7,05
